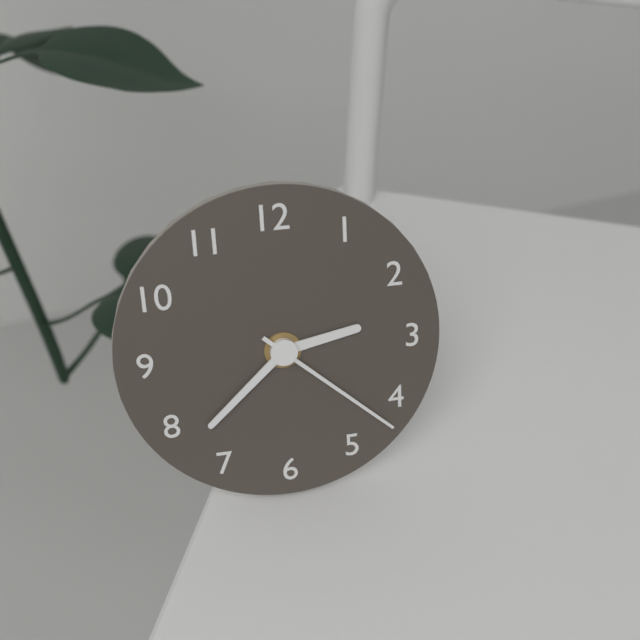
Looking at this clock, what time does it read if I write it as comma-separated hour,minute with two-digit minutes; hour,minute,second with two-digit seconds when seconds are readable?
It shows 2,38,22
